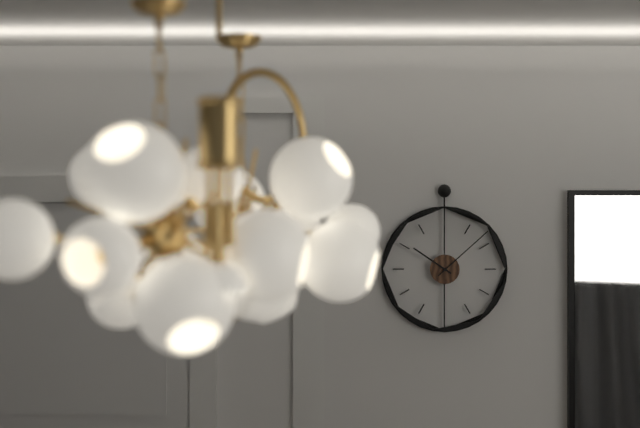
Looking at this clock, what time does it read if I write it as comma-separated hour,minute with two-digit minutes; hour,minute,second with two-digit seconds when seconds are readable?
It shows 10,08
